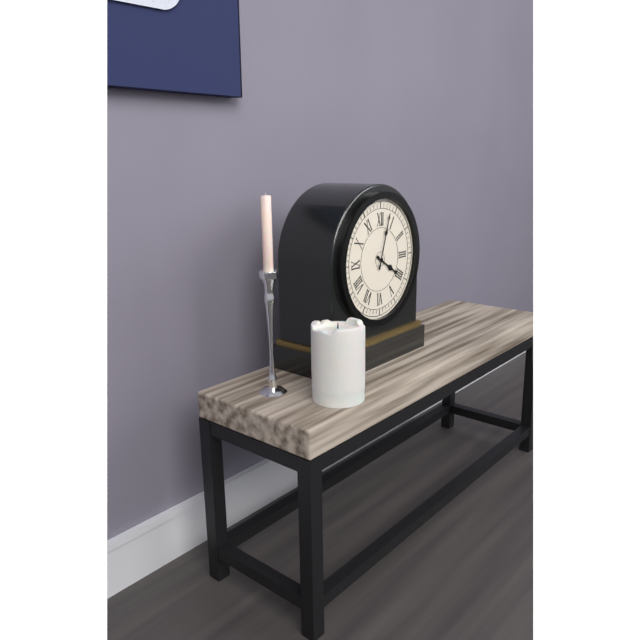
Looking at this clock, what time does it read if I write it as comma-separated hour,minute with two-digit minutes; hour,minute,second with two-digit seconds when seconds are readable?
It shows 4,03
